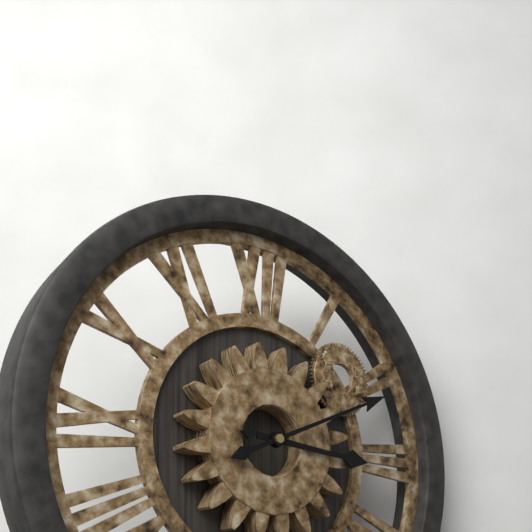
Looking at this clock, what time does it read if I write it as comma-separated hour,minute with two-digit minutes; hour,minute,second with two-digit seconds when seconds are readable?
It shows 3,11
